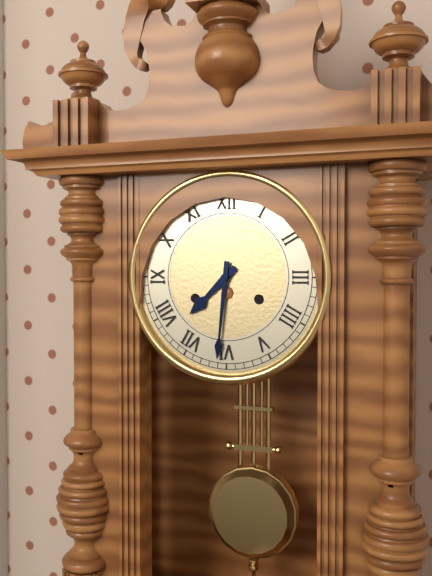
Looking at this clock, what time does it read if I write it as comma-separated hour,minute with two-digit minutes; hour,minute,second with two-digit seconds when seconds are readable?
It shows 7,31
